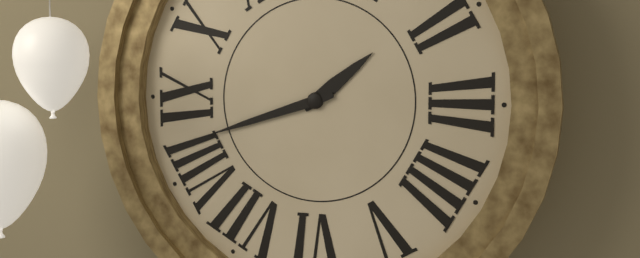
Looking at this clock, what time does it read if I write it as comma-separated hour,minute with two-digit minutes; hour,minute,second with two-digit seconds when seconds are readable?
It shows 1,42
